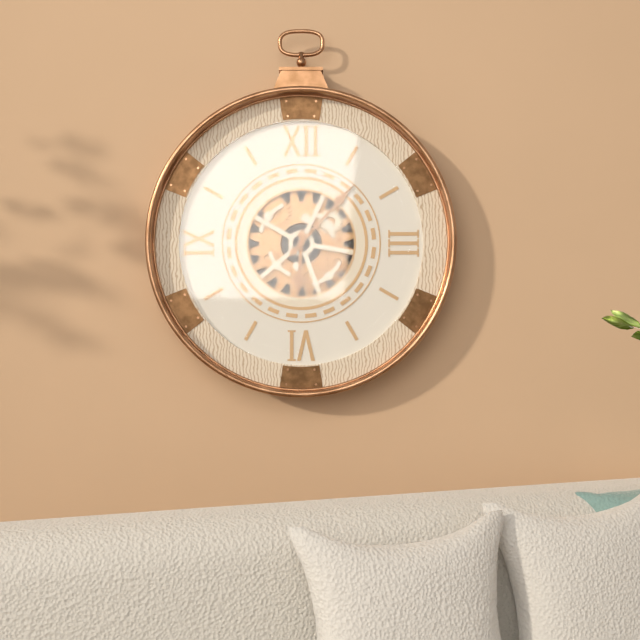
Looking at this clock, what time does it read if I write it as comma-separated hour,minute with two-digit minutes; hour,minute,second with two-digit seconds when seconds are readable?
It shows 6,07
